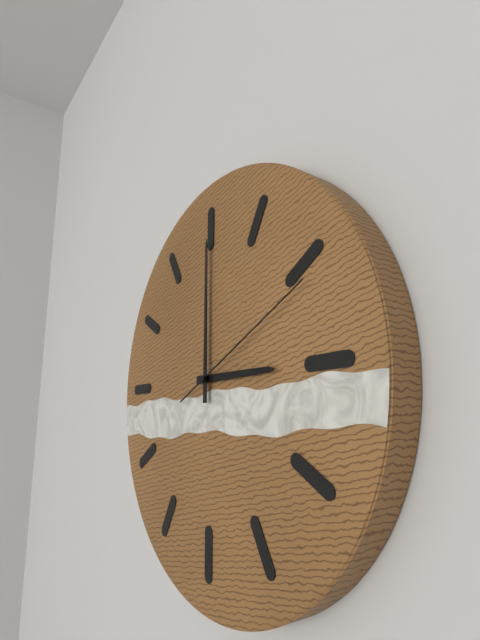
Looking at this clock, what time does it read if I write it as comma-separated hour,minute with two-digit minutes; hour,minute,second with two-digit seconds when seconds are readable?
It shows 3,00,11
